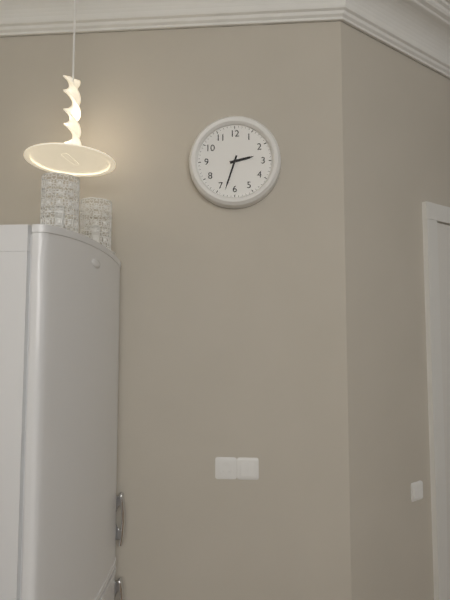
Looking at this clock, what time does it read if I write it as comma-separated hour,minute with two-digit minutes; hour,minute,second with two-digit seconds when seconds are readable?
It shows 2,33
